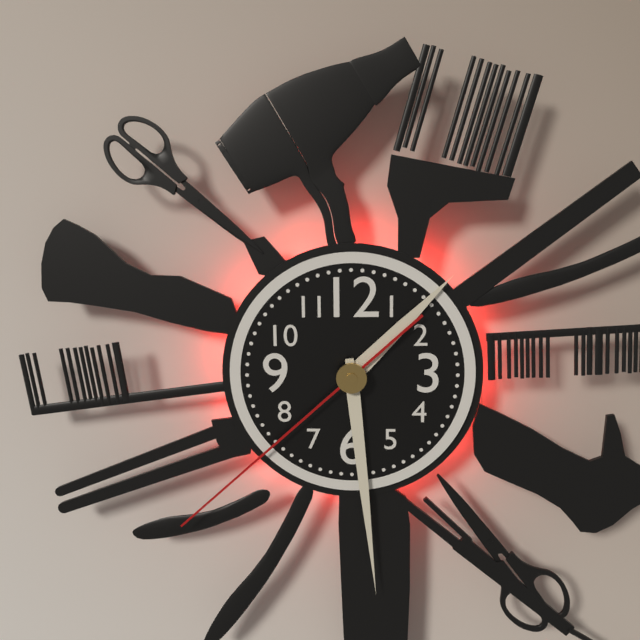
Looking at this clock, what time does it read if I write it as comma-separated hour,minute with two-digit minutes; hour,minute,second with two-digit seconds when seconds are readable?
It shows 1,29,38
